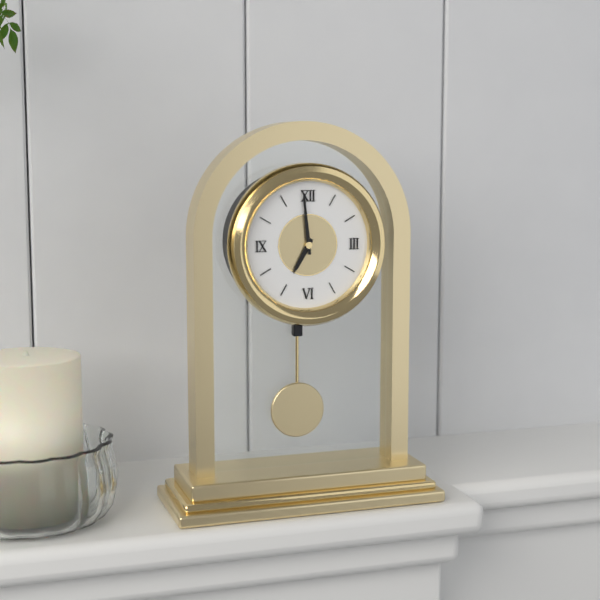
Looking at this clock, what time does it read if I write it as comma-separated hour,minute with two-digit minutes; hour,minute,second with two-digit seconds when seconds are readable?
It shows 6,59
